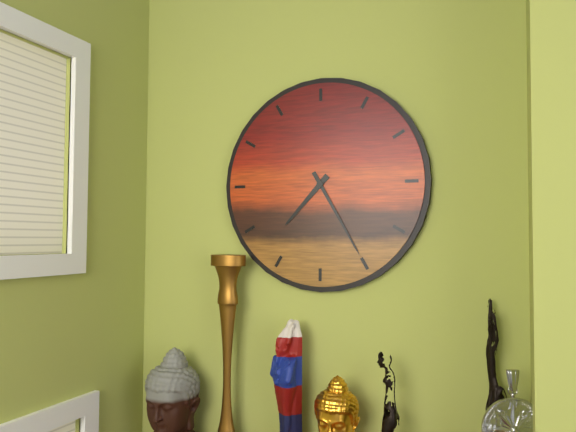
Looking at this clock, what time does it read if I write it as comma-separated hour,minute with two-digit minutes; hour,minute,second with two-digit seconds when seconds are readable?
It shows 7,25
